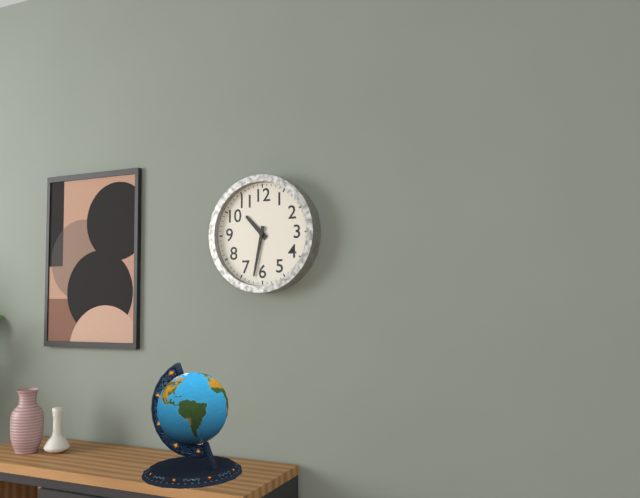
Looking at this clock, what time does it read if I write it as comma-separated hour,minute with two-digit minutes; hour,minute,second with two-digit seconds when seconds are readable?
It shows 10,32
